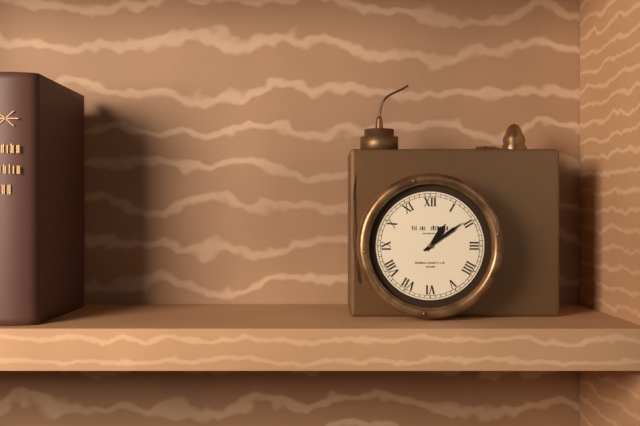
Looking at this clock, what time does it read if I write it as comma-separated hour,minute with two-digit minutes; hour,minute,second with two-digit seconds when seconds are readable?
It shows 1,09
